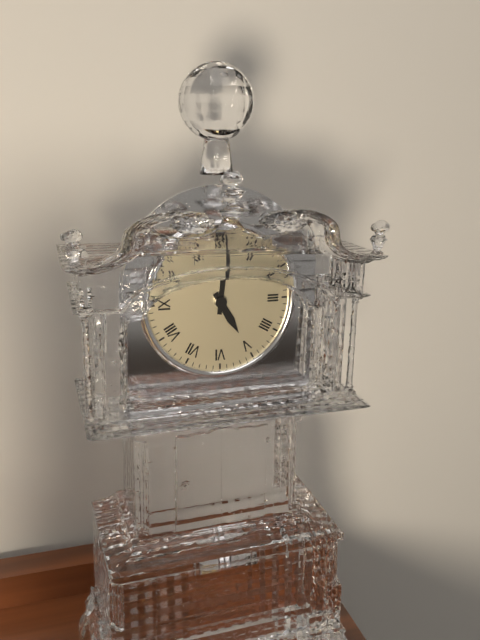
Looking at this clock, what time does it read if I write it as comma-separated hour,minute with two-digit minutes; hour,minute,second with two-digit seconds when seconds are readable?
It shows 5,01
